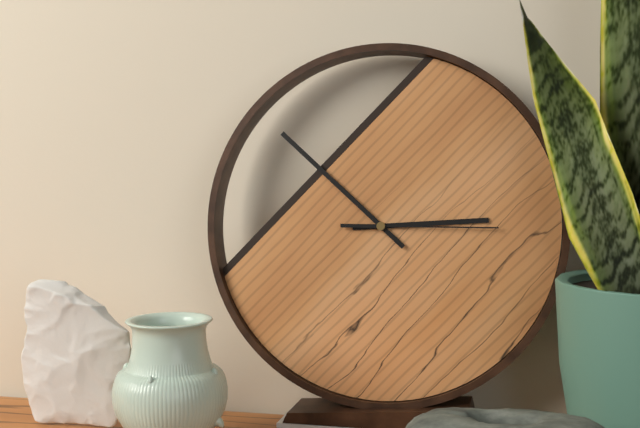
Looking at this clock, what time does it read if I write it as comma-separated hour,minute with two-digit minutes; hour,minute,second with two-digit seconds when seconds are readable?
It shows 2,52,15
